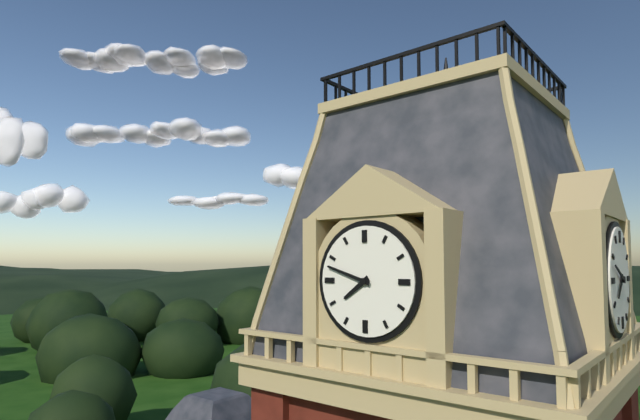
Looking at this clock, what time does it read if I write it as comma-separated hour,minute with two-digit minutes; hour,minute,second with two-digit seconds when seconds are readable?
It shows 7,48
